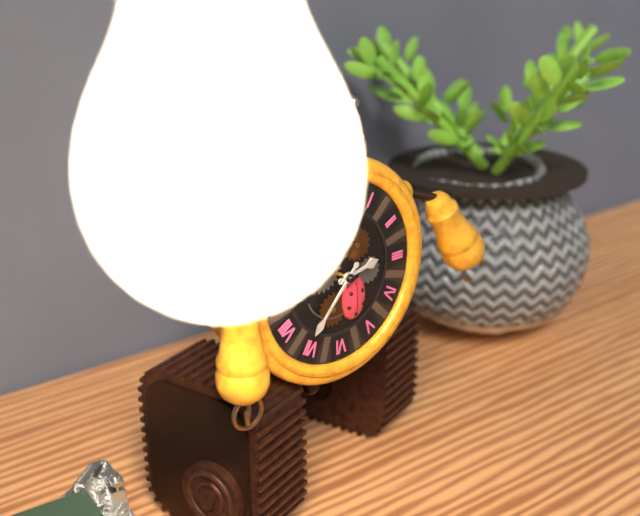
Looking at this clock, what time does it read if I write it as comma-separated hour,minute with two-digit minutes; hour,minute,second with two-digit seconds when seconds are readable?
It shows 2,37
